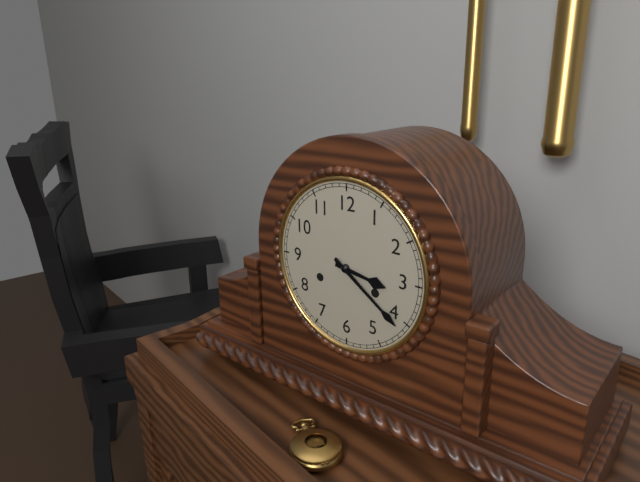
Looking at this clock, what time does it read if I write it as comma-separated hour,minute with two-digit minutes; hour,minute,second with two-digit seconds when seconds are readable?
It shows 3,21
